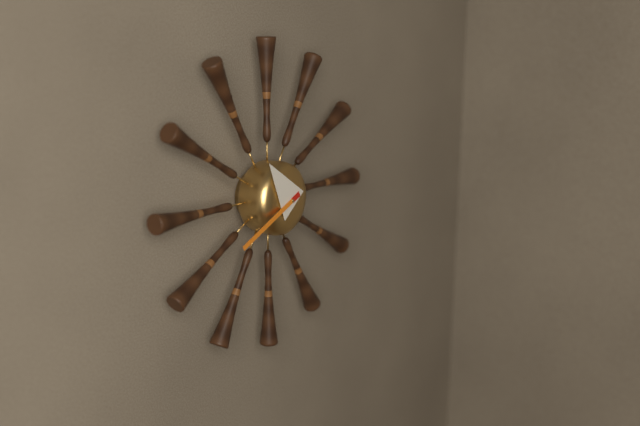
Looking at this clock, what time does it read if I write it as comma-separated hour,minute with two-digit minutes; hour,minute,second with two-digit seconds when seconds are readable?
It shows 10,41
